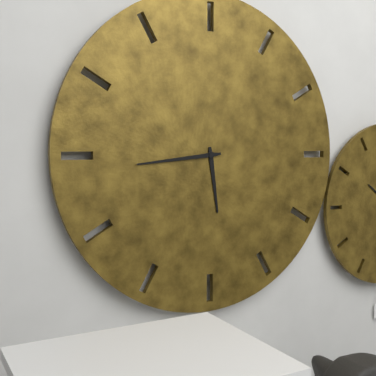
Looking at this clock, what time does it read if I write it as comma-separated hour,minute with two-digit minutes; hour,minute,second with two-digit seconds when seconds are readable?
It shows 5,44
